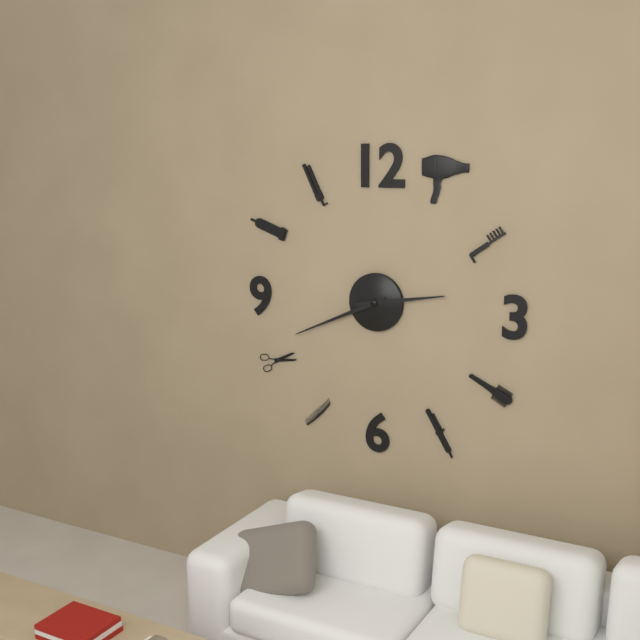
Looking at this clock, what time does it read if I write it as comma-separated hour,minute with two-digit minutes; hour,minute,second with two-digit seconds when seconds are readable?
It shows 2,41
